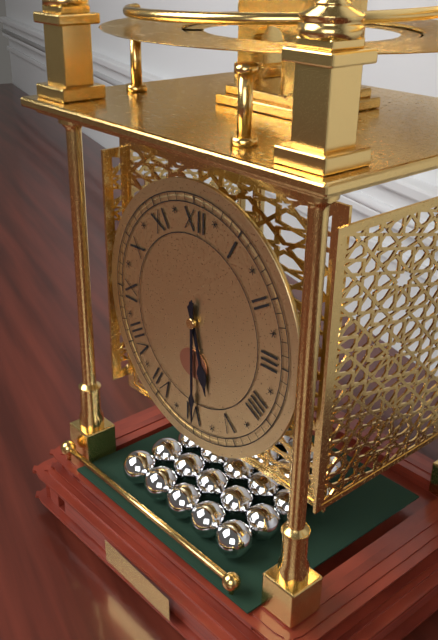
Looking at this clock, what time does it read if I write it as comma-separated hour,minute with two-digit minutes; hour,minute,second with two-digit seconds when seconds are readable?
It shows 5,30
